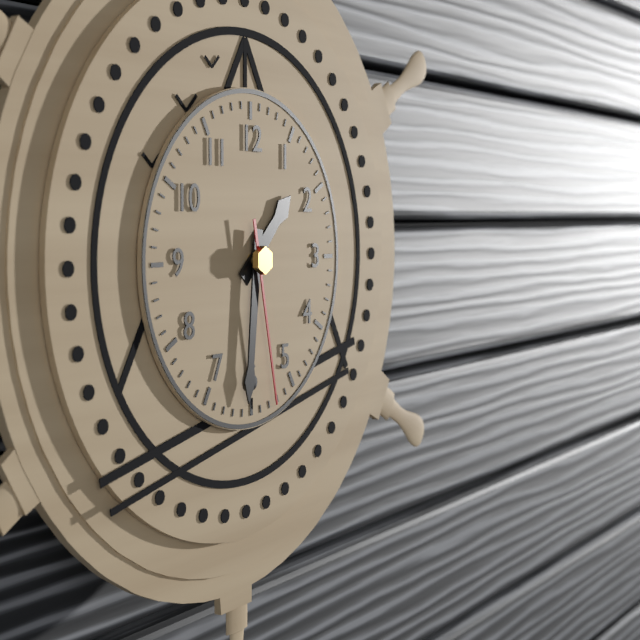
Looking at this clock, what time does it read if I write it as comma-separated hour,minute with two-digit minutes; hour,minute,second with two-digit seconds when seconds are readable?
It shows 1,31,28
